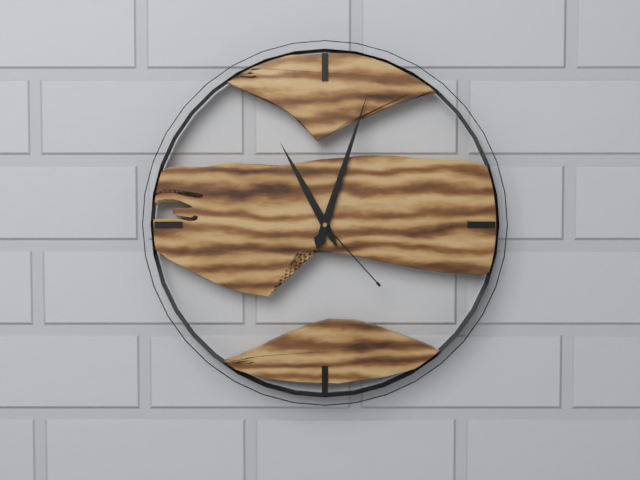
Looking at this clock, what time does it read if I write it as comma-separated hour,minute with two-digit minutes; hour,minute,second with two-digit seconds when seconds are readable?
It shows 11,03,23
